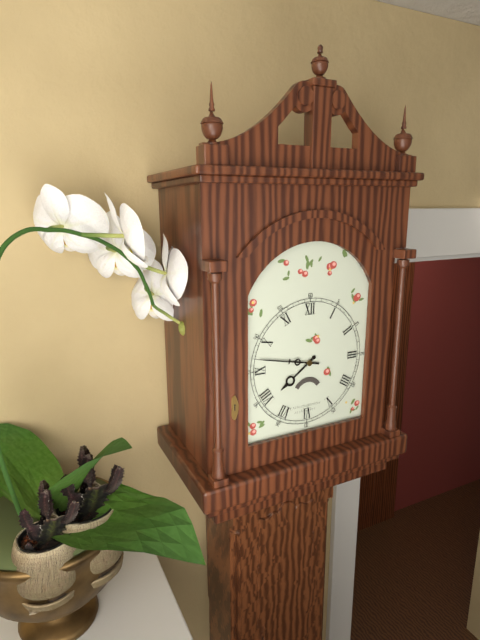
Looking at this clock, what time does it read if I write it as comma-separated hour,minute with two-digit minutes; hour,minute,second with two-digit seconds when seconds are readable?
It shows 7,47
